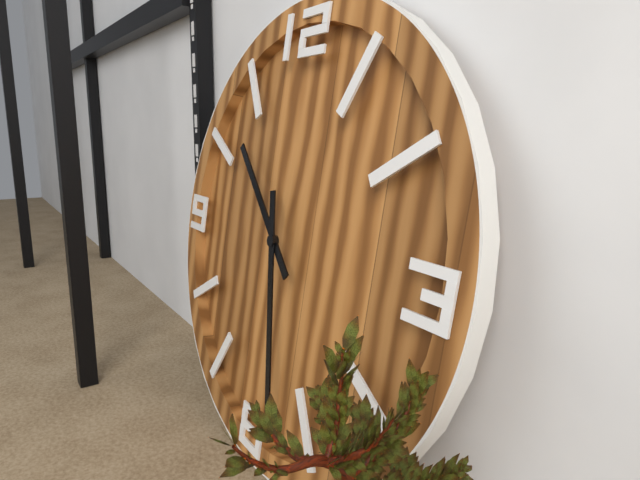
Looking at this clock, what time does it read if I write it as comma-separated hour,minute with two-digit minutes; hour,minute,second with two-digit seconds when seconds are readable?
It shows 10,28
